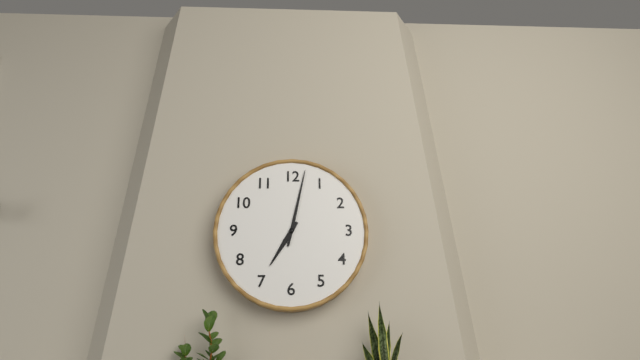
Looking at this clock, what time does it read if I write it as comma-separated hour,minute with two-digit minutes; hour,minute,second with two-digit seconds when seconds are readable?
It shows 7,02
